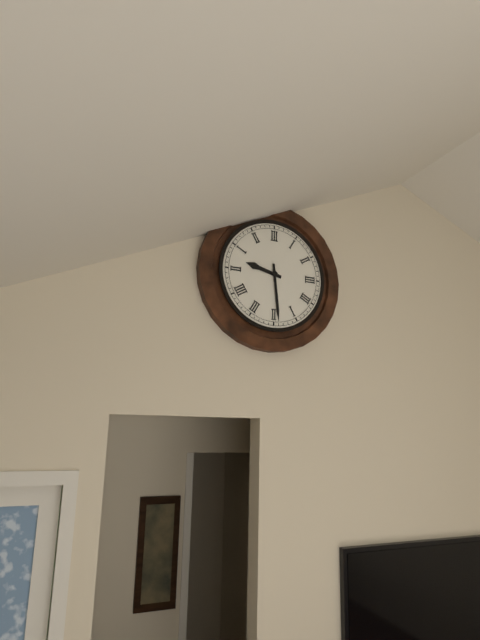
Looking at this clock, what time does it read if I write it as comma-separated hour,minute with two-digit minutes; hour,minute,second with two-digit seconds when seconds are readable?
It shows 9,29
